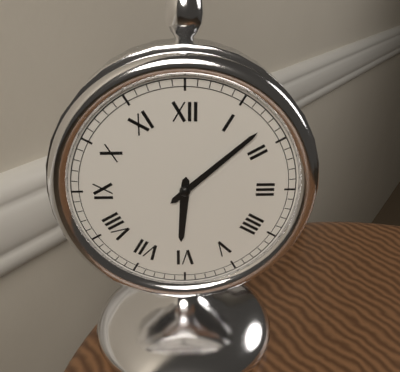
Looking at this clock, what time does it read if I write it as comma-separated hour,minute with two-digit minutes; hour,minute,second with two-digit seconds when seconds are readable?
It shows 6,08
